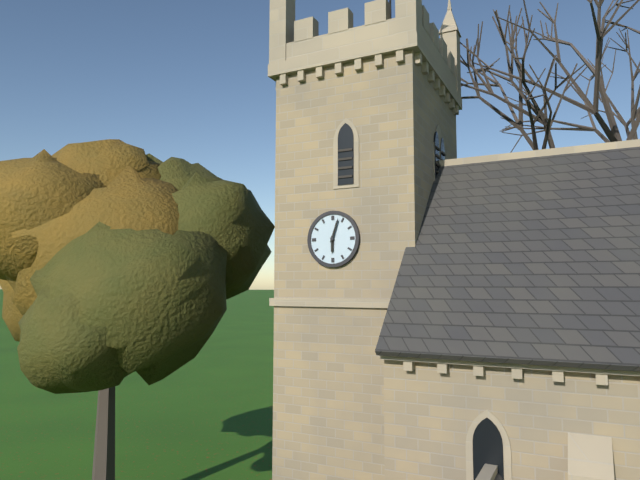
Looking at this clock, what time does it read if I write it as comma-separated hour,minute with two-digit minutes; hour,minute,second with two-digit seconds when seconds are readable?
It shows 6,03
